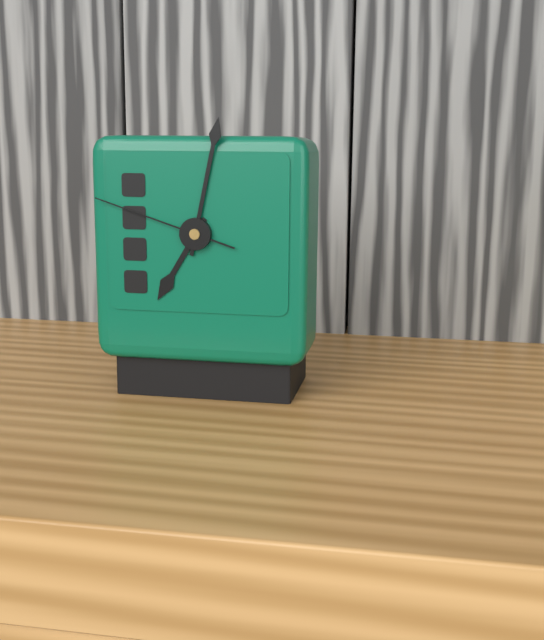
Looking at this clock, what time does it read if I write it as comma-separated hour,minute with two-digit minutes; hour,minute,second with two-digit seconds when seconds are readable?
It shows 7,02,48
